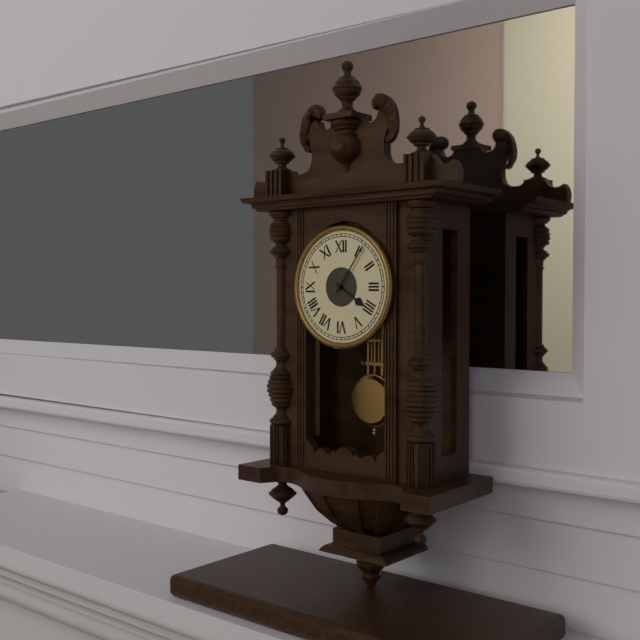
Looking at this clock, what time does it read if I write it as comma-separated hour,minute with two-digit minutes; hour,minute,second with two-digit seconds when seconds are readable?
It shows 4,06
